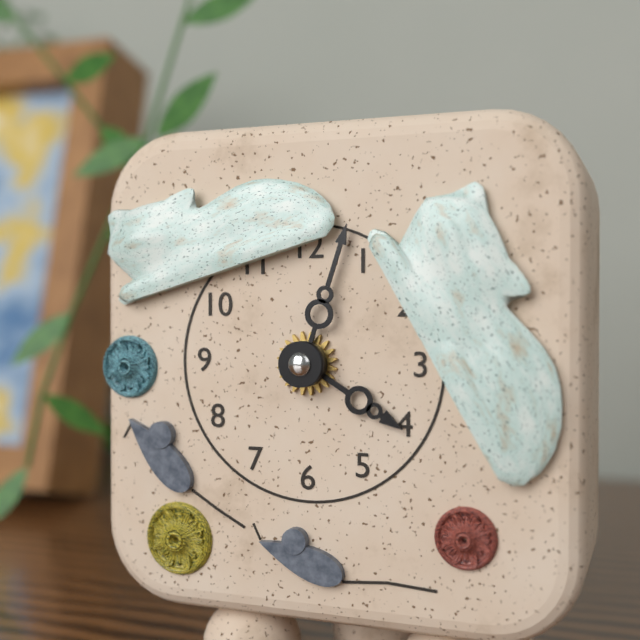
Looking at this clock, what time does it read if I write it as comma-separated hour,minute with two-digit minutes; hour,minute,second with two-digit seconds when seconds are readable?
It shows 4,03
